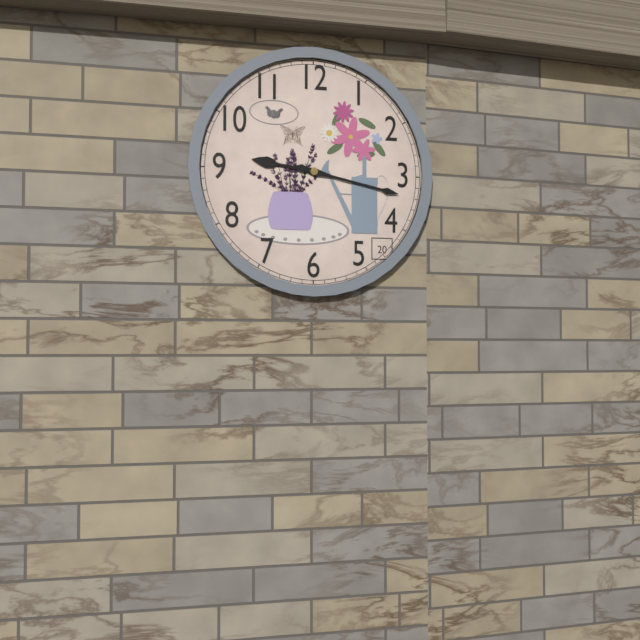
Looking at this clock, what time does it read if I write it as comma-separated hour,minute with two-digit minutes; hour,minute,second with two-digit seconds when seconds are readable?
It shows 9,17
